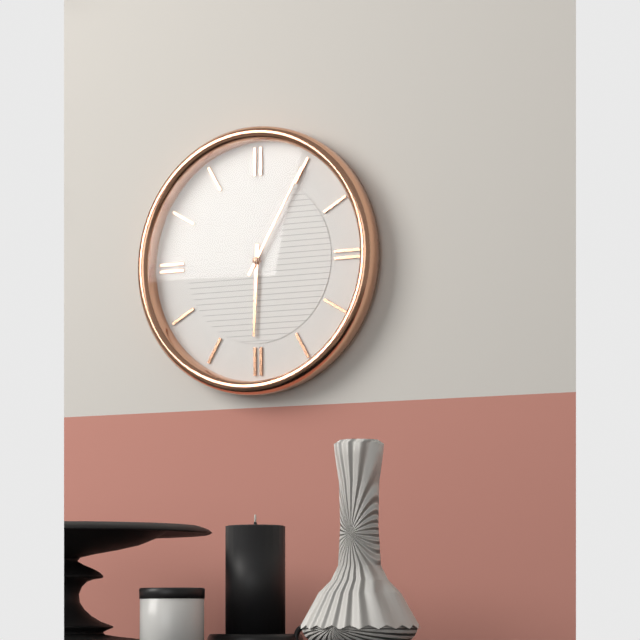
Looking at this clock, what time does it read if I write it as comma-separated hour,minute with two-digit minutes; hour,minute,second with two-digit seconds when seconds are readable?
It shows 6,05
